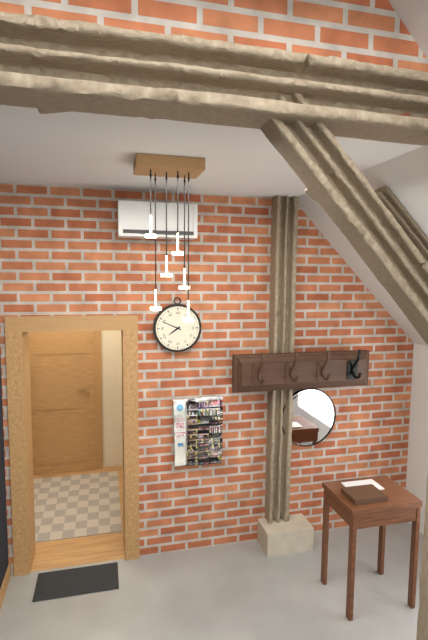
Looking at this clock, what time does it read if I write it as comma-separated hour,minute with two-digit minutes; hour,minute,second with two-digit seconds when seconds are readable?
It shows 7,49
